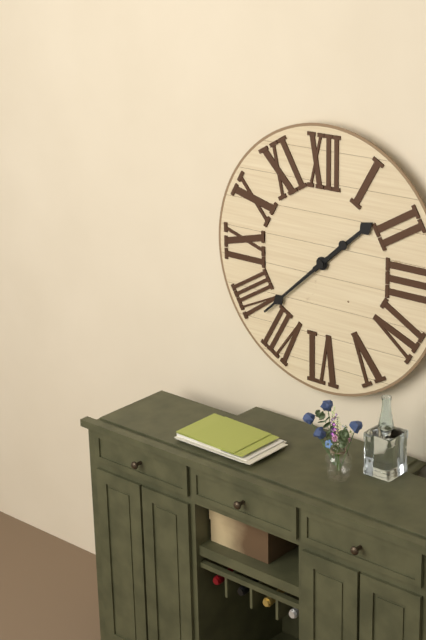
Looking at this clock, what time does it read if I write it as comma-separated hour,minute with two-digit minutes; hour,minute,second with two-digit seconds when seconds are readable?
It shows 1,38
